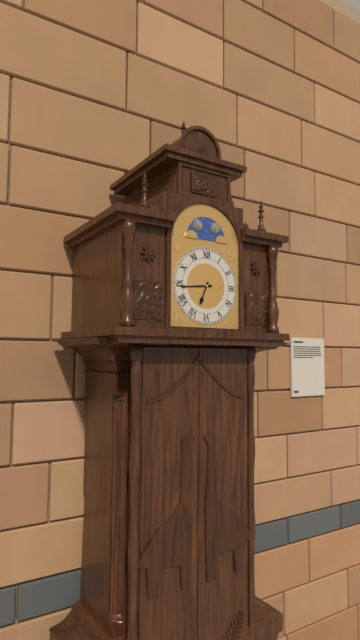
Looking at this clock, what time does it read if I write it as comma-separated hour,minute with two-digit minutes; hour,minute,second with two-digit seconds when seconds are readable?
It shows 6,44
